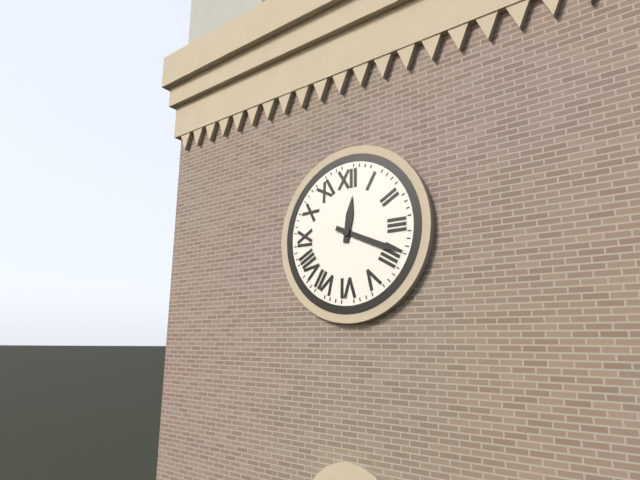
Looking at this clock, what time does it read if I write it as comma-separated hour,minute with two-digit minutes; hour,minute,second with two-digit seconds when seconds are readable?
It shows 12,19
